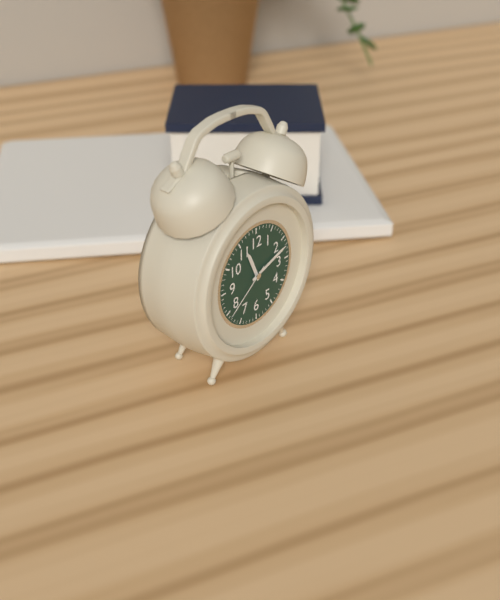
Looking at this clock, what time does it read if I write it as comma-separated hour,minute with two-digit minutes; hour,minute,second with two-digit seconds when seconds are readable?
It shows 11,12,39
